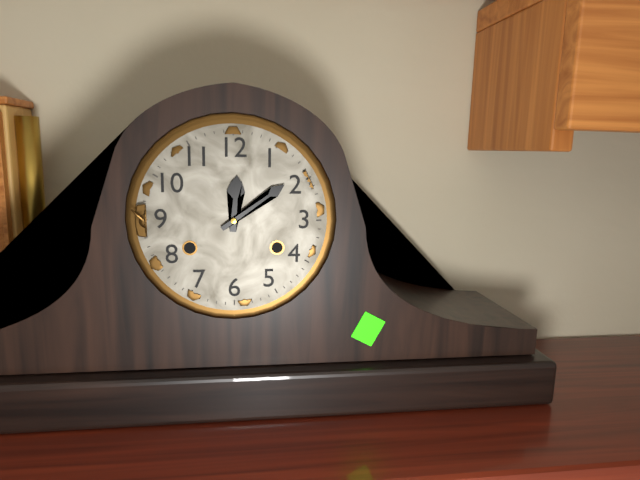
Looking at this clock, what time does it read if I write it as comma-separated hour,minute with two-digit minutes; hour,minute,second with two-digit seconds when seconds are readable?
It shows 12,09
